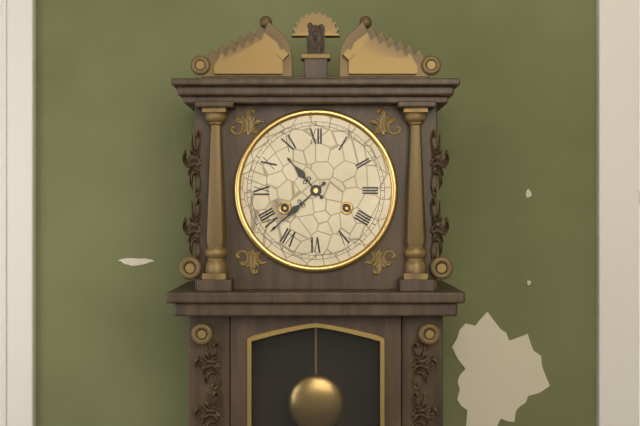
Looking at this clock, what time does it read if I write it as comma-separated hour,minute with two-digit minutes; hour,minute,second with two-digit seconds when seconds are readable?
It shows 10,38
